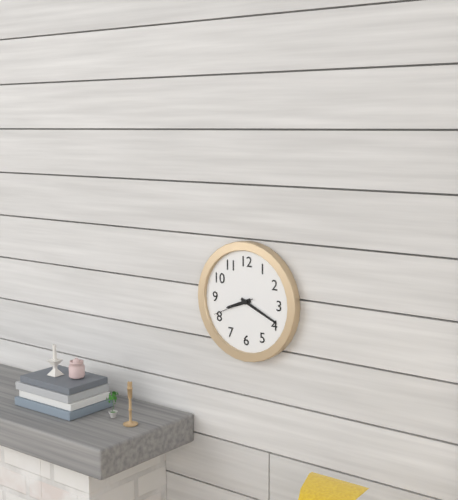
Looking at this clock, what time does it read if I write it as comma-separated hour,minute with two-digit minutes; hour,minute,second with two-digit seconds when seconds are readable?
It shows 8,19
